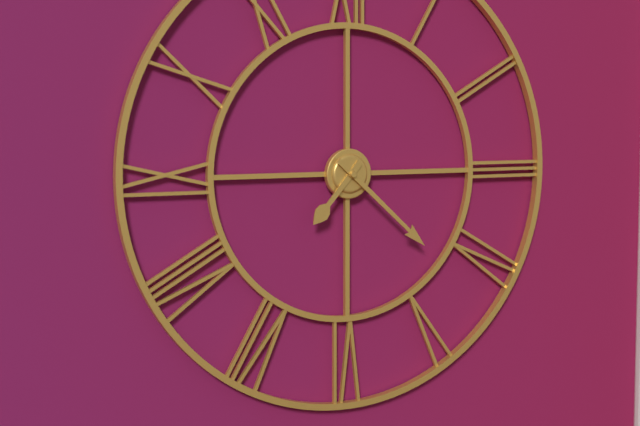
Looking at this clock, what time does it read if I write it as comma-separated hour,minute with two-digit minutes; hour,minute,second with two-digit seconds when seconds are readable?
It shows 7,22
